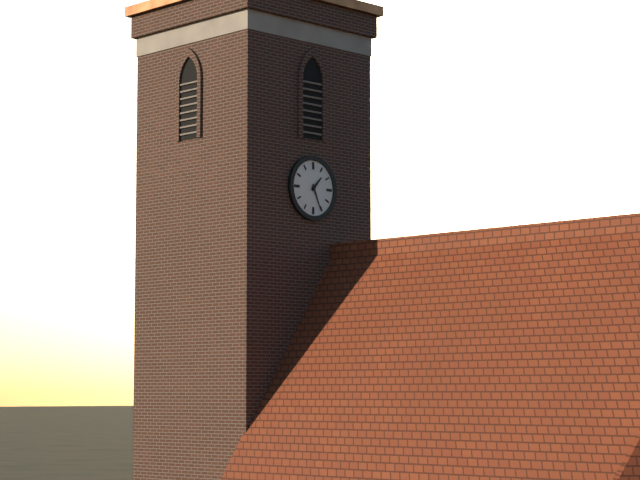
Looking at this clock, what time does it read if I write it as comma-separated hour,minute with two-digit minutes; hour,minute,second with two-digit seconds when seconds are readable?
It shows 1,26
